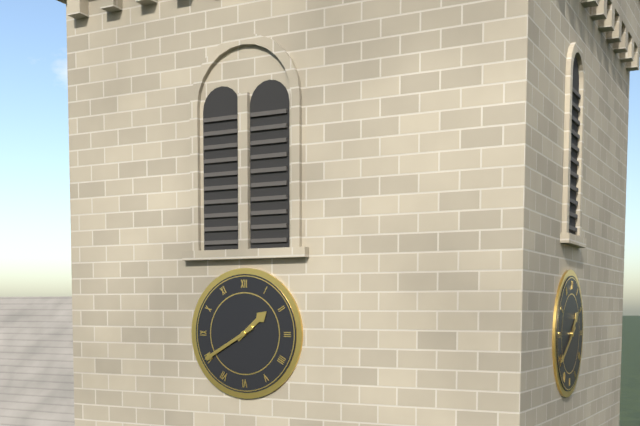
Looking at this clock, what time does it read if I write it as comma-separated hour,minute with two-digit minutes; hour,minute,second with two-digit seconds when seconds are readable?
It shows 1,40
